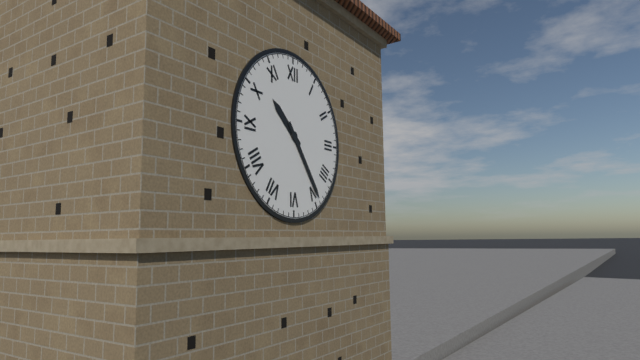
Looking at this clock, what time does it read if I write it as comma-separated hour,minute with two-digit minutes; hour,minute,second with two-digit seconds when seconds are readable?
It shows 10,24
